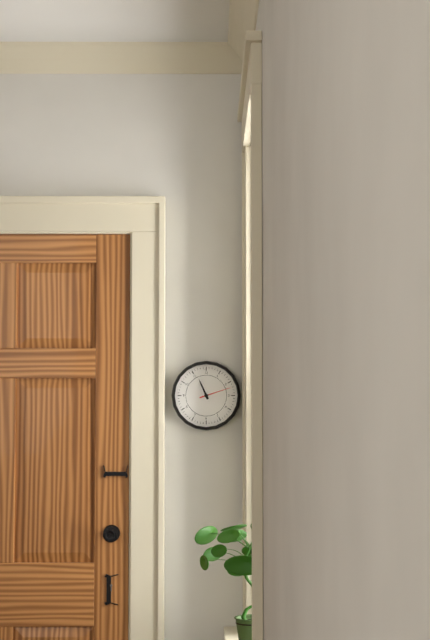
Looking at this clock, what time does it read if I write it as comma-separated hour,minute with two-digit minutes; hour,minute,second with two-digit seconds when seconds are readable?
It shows 11,12
